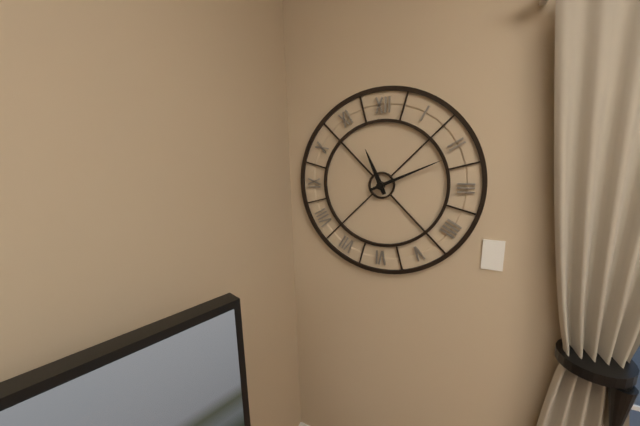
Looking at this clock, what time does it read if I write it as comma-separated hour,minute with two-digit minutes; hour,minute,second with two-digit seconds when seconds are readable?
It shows 11,11
